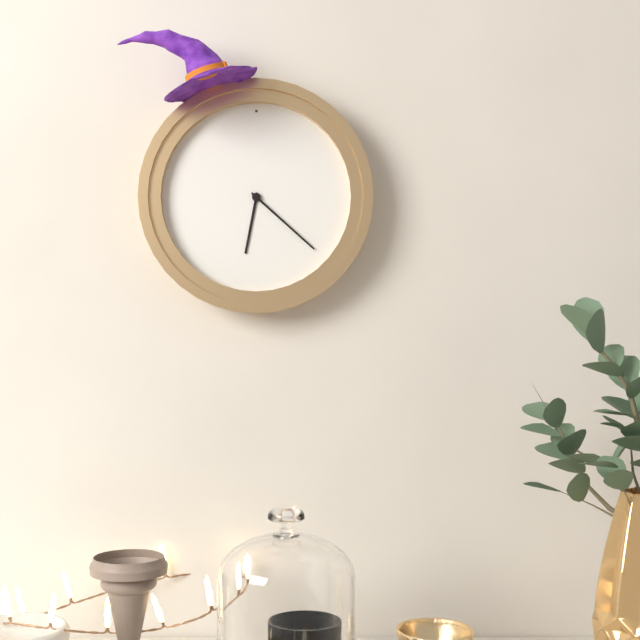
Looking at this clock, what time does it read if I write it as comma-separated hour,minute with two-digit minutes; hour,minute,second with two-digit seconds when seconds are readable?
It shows 6,22
